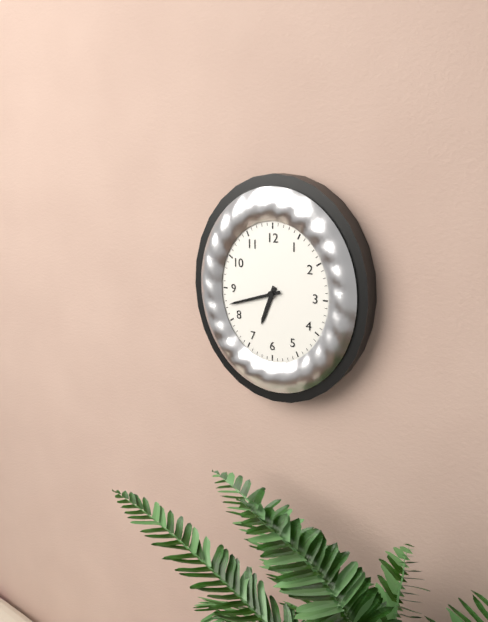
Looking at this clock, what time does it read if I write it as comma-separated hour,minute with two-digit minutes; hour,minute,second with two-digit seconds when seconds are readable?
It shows 6,42
